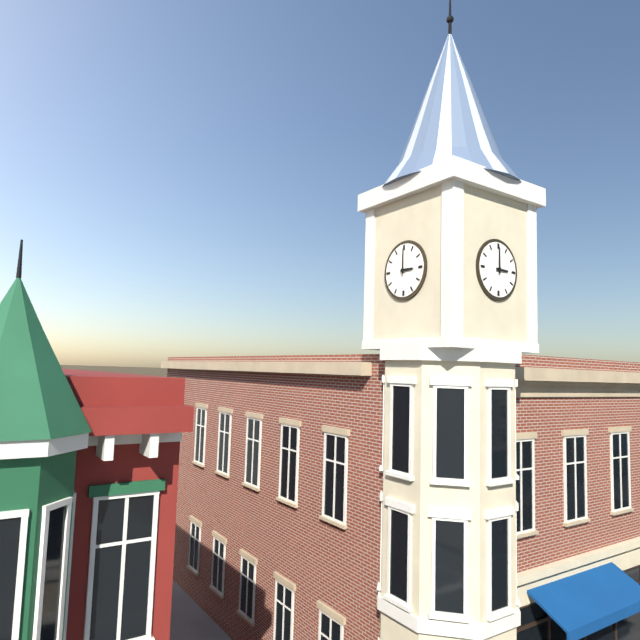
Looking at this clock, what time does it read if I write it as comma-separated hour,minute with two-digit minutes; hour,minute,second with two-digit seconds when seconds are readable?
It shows 3,00
